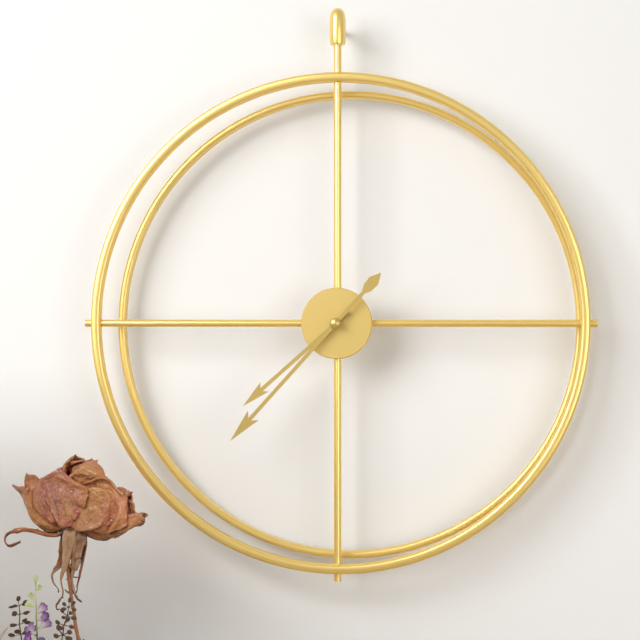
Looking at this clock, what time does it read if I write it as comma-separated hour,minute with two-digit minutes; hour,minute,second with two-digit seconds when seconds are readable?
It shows 7,37
